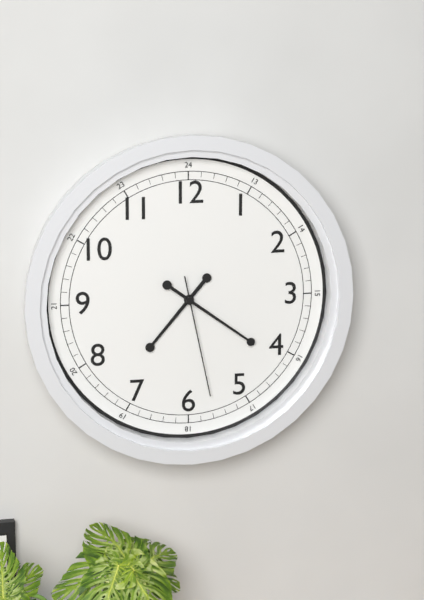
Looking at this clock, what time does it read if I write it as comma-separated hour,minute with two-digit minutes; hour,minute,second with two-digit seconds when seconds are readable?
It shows 7,21,28
